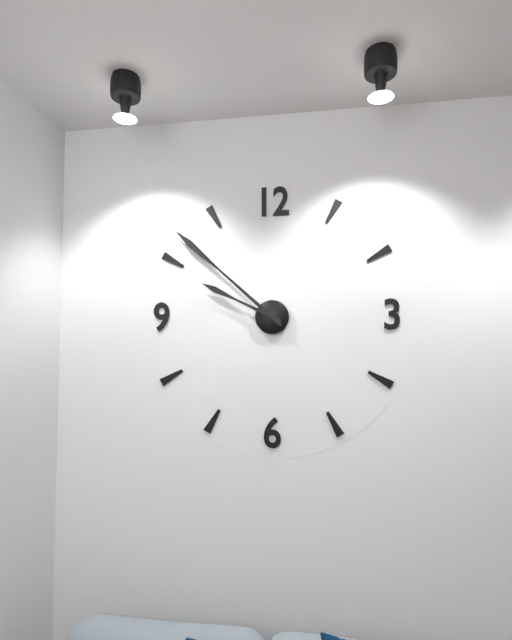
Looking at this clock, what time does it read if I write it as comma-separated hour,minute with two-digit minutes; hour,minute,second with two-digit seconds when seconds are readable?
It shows 9,52
